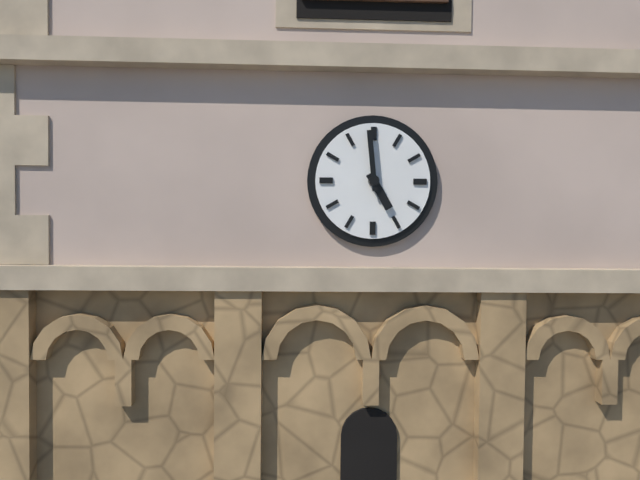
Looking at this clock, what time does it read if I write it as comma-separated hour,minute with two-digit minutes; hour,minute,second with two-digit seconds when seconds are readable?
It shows 4,59
